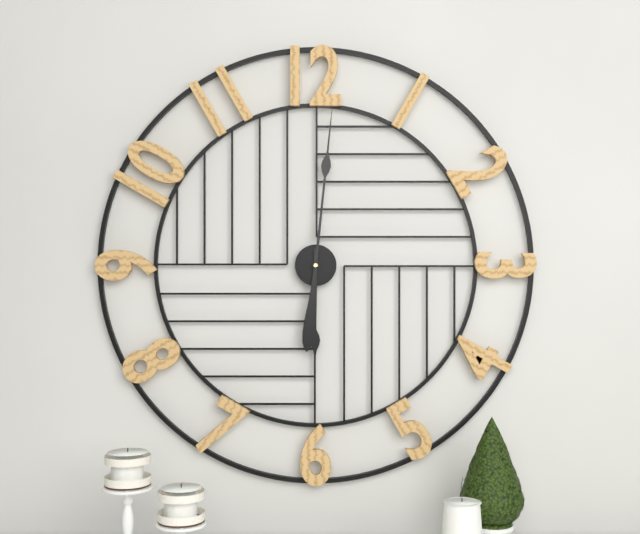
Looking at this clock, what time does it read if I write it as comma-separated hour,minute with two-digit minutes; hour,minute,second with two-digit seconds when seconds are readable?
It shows 6,01
